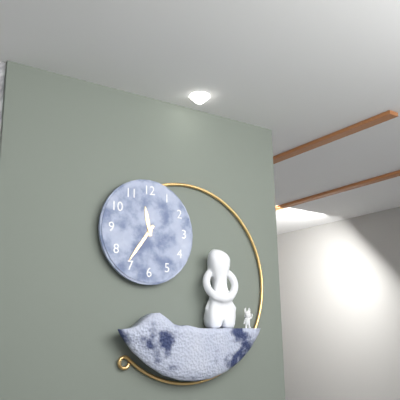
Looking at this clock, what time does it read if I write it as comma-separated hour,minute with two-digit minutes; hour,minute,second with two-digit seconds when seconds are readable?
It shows 11,36
